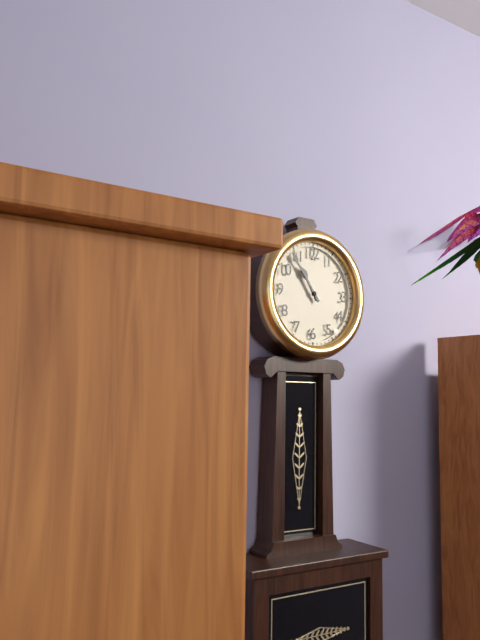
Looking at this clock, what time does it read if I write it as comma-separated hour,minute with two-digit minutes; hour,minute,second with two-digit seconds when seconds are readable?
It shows 10,54
